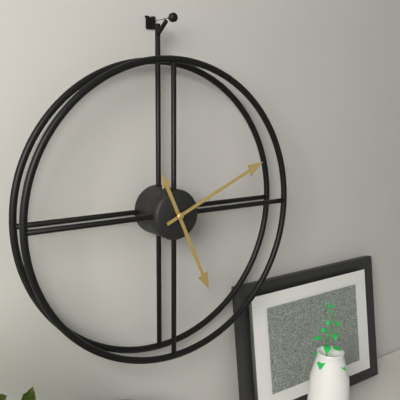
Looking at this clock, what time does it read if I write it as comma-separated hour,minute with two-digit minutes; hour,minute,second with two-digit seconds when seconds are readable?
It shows 5,11
